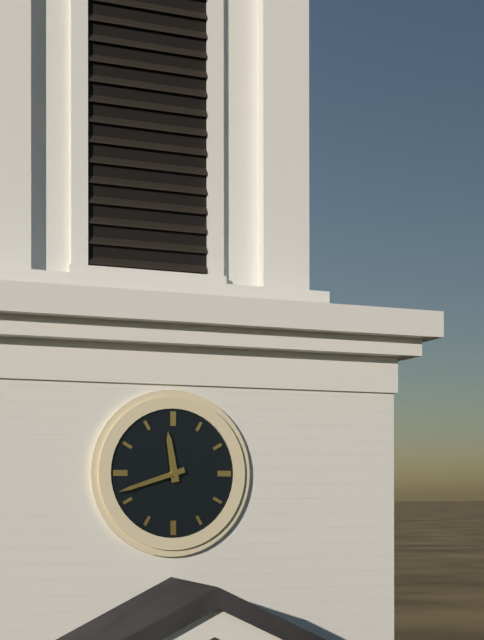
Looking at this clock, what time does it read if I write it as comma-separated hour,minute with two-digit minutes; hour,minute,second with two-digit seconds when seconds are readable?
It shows 11,42
